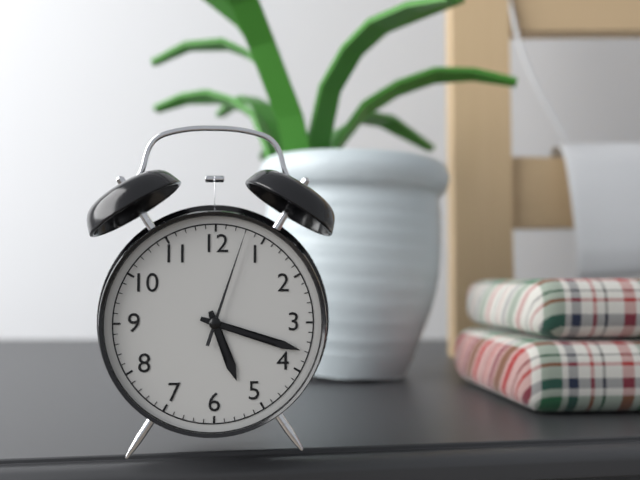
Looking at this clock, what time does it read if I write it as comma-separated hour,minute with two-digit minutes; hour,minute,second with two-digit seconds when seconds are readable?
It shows 5,18,03
